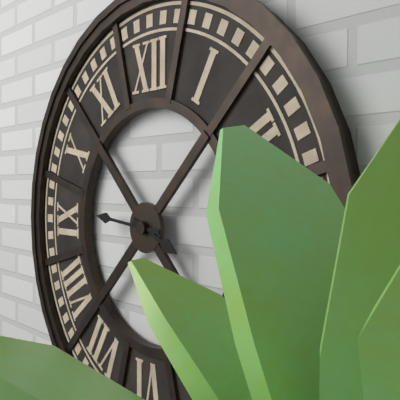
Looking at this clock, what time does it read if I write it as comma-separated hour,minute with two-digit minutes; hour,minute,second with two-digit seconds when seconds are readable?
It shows 3,46
